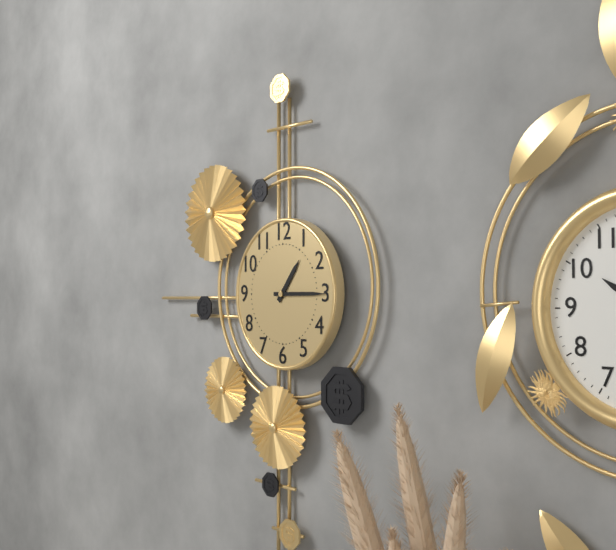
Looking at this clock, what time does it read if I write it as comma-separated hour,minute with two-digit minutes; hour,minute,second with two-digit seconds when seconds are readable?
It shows 1,15
